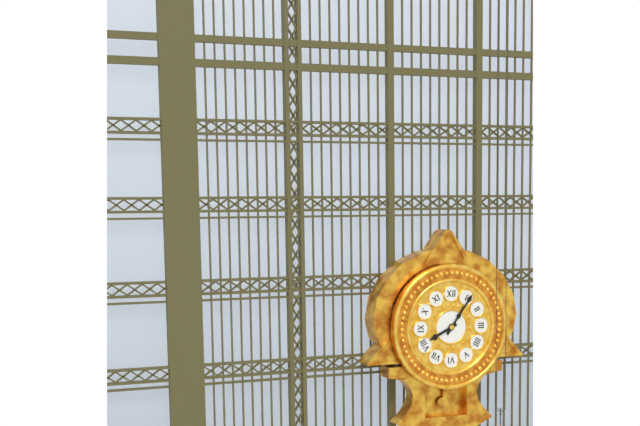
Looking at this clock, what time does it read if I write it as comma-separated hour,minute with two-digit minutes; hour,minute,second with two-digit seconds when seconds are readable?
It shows 8,06
